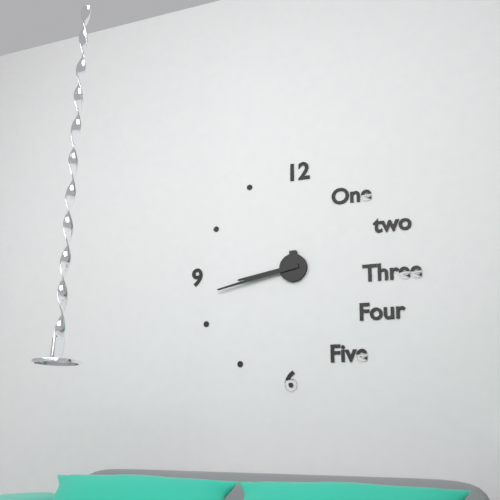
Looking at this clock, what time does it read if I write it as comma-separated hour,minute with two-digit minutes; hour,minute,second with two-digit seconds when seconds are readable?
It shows 8,43
